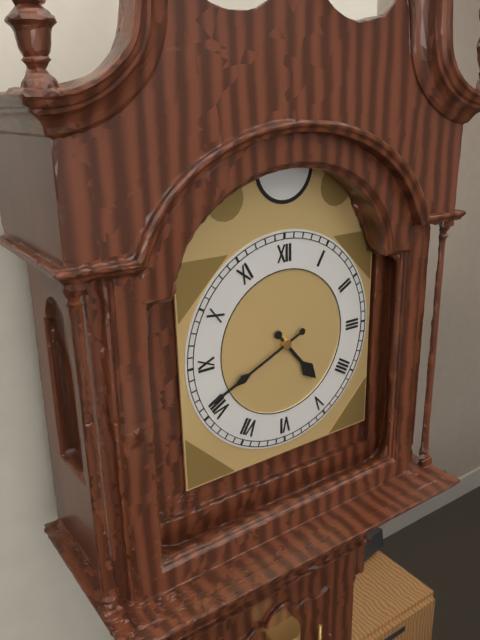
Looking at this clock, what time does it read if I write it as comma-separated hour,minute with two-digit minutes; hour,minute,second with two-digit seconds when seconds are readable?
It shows 4,41
